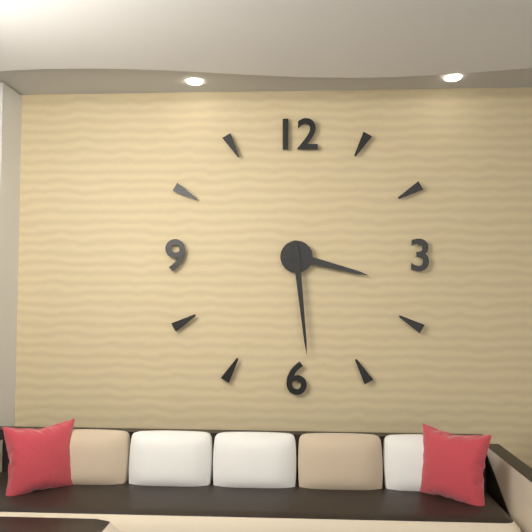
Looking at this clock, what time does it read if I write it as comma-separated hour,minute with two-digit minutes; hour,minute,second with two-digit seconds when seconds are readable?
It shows 3,29
